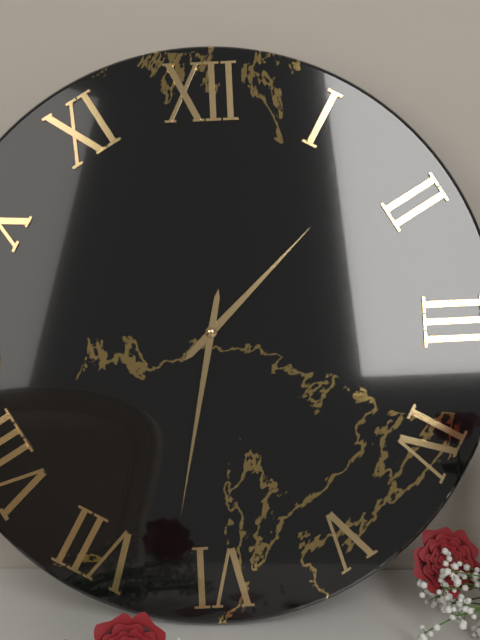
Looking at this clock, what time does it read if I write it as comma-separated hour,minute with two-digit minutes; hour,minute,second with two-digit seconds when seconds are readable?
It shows 1,32
